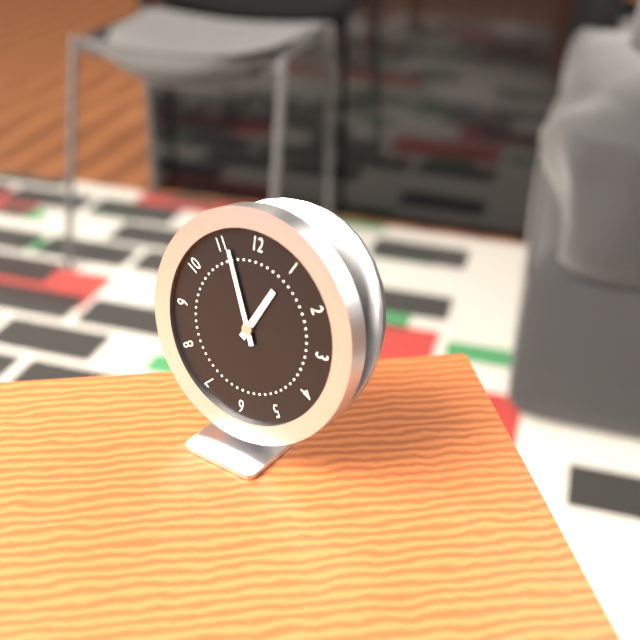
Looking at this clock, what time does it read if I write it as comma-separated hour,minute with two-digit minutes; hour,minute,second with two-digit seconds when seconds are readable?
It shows 12,56
